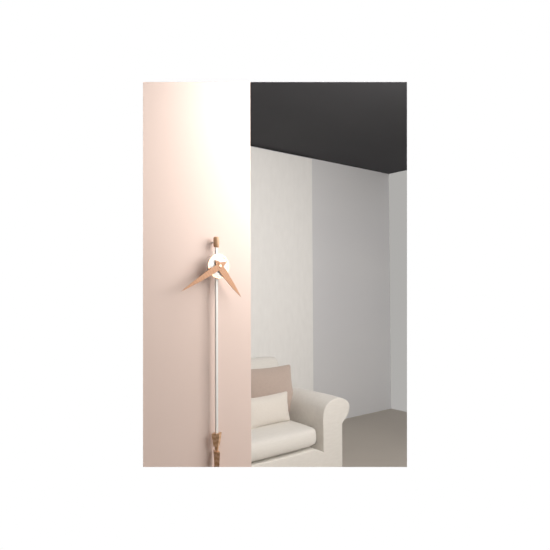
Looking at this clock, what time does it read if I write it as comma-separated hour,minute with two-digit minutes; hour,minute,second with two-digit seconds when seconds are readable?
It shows 4,40
